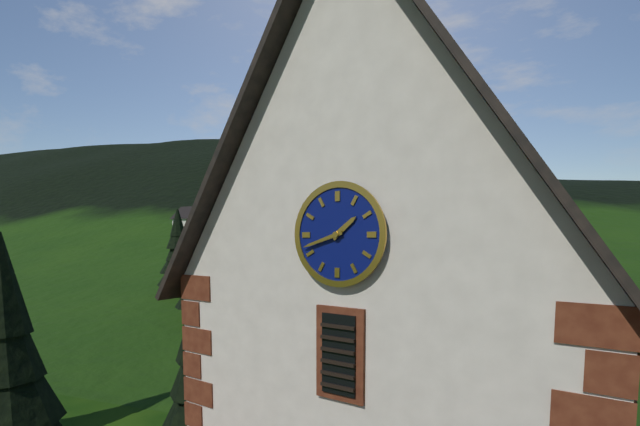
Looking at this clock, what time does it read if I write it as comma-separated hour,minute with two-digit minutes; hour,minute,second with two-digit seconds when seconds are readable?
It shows 1,42
